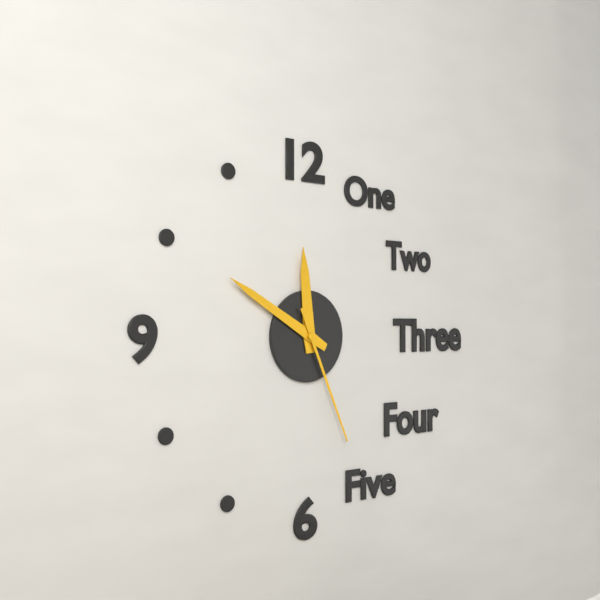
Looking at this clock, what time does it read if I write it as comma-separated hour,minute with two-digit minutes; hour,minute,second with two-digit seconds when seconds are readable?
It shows 11,50,26
